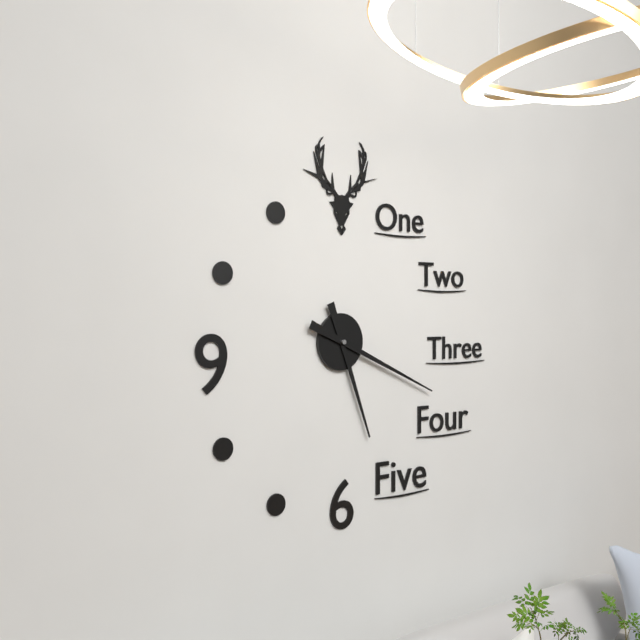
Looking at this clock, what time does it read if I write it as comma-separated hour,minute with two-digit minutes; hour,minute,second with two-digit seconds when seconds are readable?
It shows 5,19
